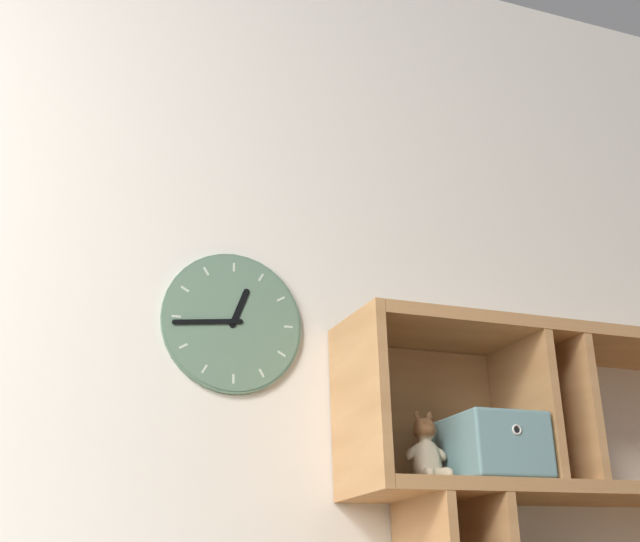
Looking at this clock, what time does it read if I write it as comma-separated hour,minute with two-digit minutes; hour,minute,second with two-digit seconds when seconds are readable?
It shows 12,44
